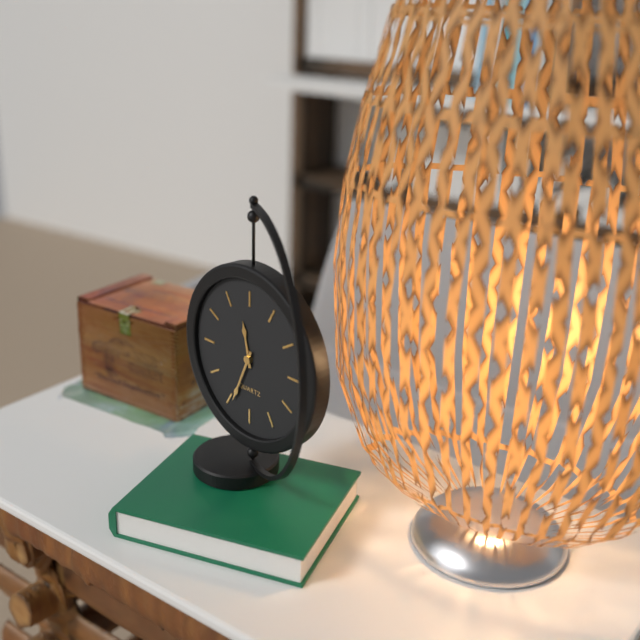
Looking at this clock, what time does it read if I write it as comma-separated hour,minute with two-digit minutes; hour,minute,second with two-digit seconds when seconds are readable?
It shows 11,34
